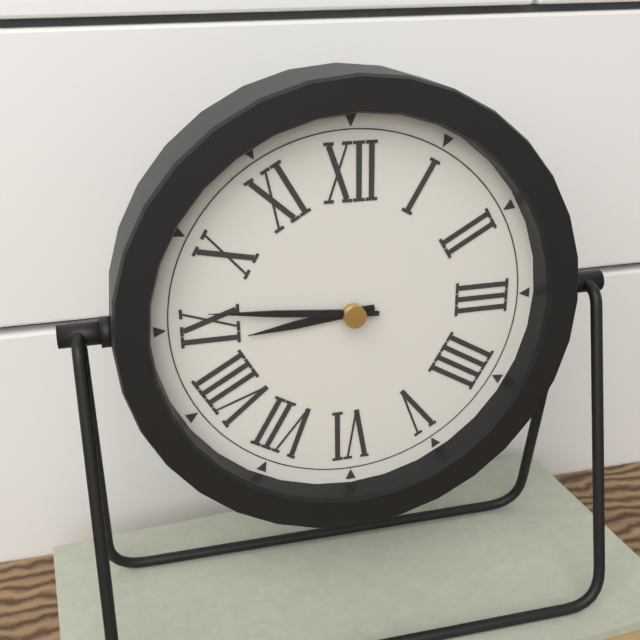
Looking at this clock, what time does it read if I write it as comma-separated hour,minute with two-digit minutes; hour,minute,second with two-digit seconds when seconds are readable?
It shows 8,46
